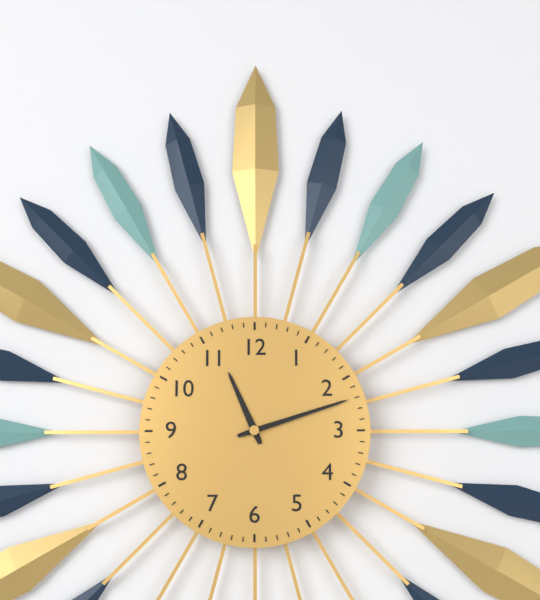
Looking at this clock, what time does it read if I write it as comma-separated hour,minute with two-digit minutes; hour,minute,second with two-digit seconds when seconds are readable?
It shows 11,12
